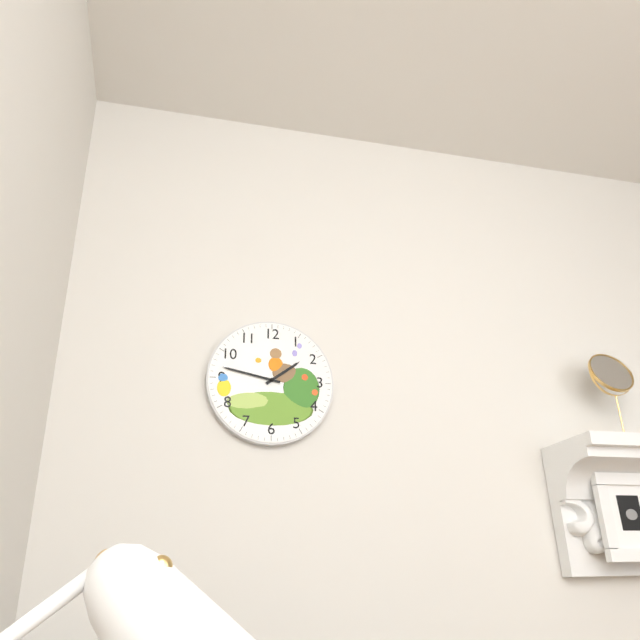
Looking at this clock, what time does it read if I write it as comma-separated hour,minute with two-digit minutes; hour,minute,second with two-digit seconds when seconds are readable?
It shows 1,47
